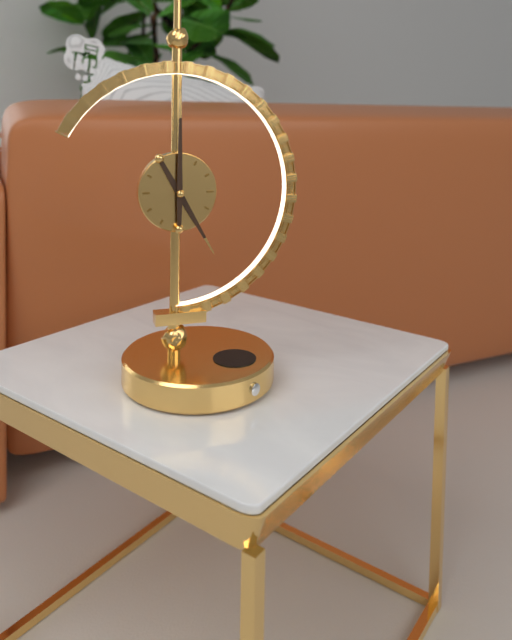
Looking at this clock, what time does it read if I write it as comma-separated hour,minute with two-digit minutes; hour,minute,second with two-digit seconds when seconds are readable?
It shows 5,00
